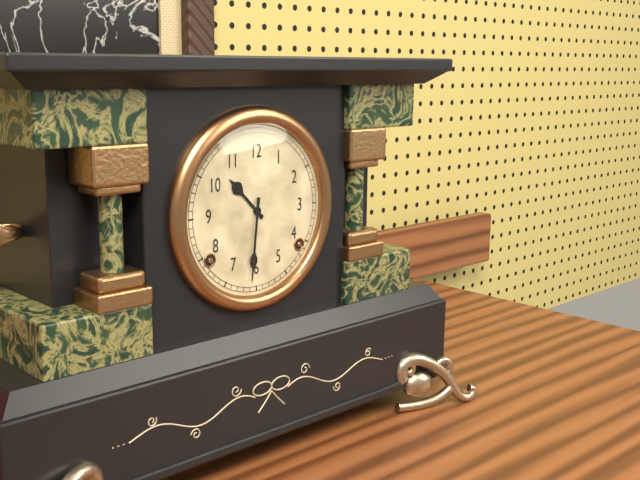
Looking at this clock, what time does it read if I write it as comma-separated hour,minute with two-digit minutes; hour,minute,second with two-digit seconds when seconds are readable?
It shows 10,31
